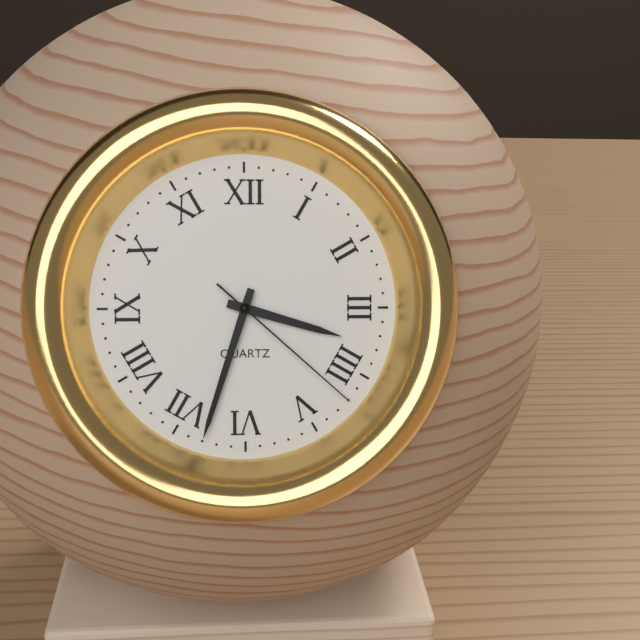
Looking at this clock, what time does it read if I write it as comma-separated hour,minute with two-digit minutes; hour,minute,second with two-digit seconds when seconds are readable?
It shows 3,33,22
